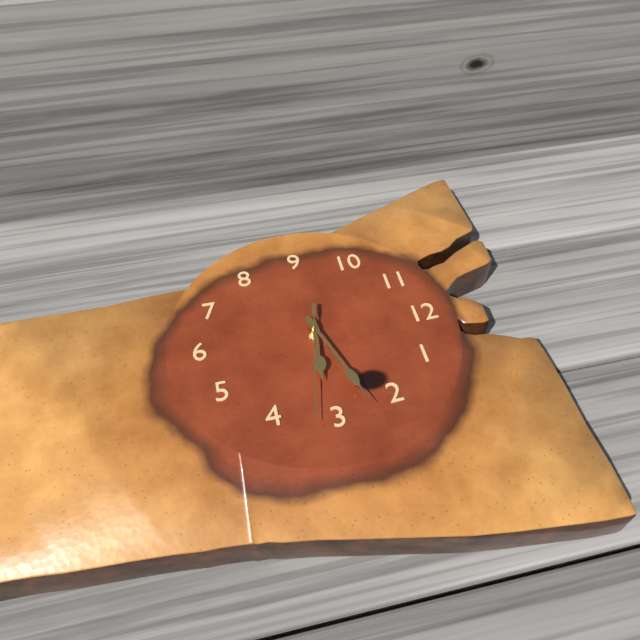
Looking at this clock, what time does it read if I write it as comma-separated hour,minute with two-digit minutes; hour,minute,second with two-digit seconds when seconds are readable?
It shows 3,12,17
